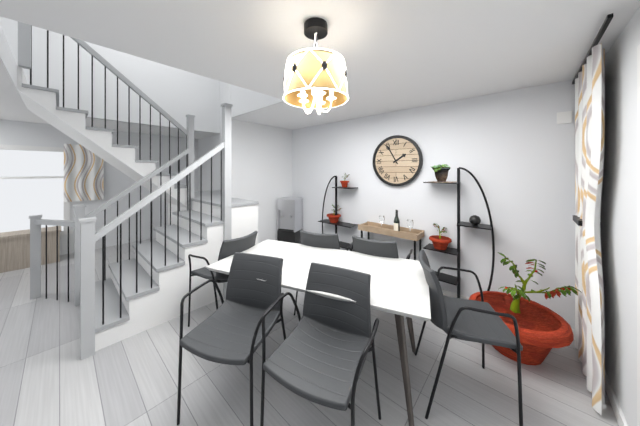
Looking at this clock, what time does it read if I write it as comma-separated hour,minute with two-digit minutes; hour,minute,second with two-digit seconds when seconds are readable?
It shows 1,55
